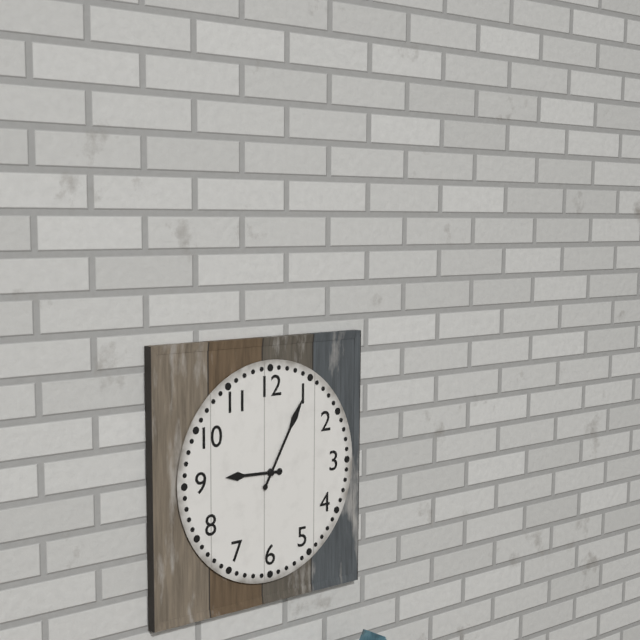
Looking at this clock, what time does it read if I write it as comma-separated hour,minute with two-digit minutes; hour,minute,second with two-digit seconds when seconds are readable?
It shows 9,05
